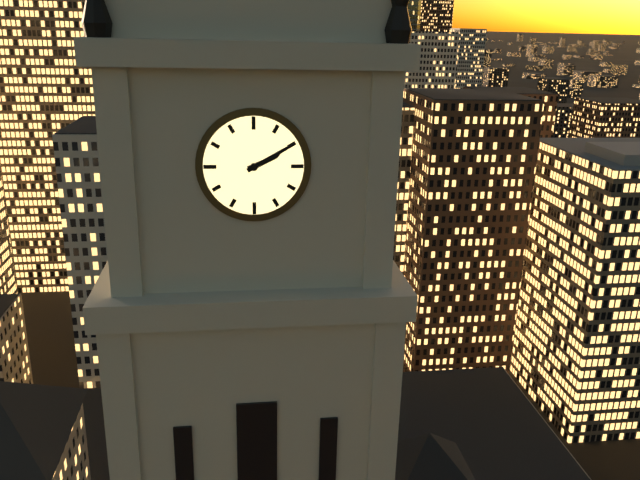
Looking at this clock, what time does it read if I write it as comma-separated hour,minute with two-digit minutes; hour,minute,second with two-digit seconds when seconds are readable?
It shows 2,10
